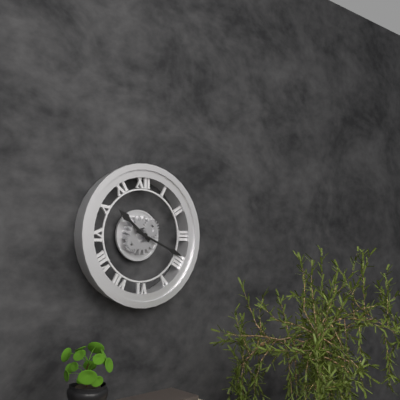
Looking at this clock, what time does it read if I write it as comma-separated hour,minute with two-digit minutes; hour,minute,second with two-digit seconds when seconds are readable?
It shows 10,19
